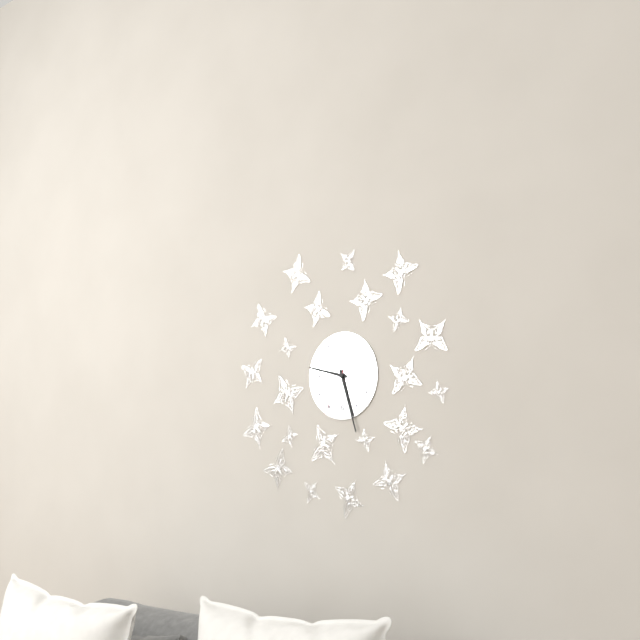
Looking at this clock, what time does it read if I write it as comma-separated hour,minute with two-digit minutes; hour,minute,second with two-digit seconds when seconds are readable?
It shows 9,27,35
